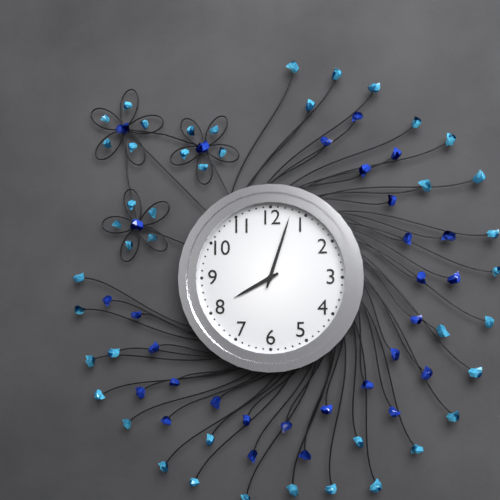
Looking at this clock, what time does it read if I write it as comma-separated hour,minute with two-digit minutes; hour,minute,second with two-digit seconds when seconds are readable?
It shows 8,03
